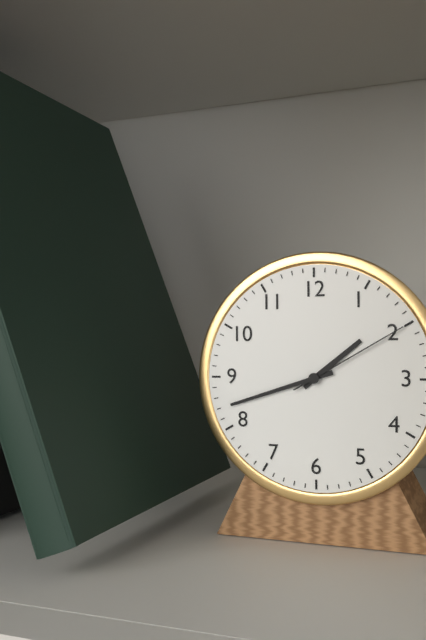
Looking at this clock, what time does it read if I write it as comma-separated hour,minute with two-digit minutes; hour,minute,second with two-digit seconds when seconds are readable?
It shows 1,42,10
